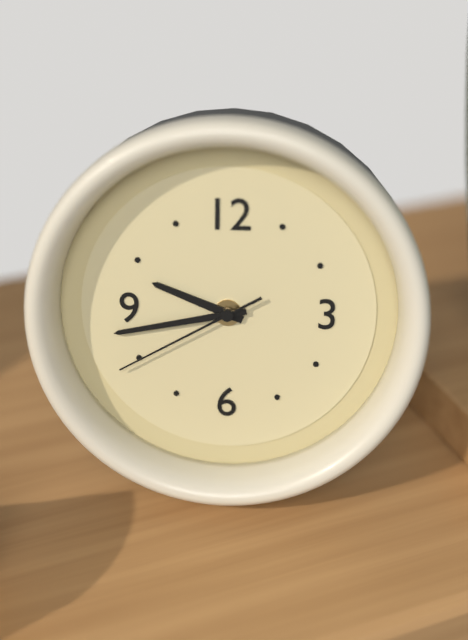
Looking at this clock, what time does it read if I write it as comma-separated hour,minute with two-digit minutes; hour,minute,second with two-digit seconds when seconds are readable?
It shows 9,43,40
